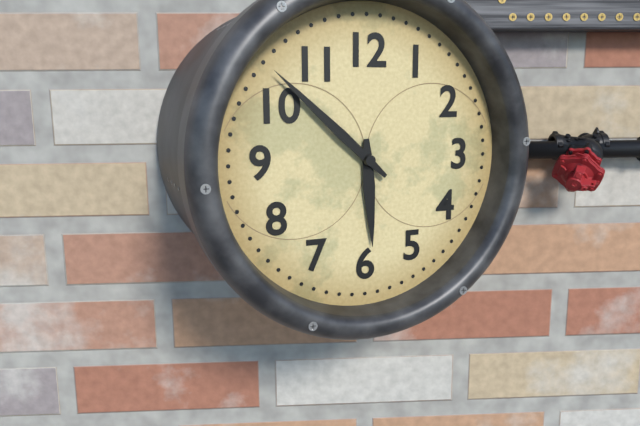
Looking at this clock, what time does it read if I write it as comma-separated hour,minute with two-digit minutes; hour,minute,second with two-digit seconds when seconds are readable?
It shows 5,52
